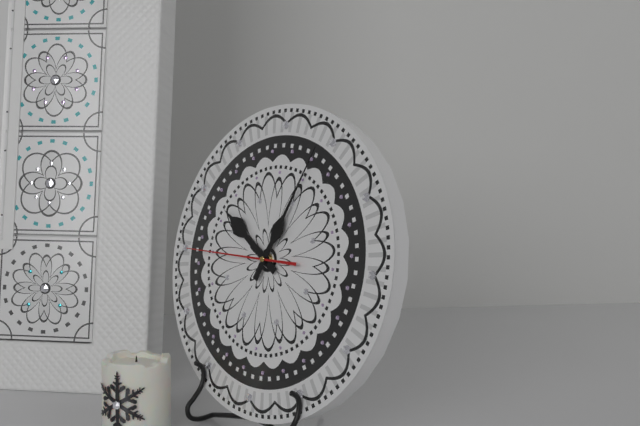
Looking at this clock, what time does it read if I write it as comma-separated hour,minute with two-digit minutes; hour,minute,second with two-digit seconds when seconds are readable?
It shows 10,04,45
